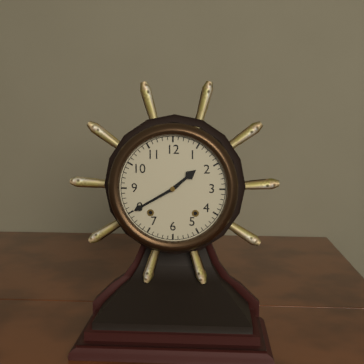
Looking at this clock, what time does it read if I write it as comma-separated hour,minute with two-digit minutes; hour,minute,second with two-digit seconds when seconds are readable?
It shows 1,40
